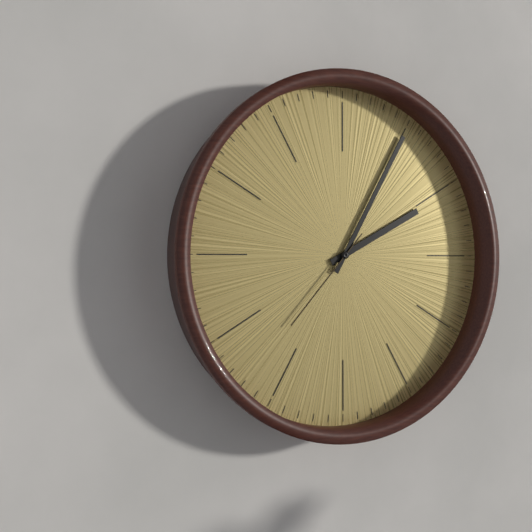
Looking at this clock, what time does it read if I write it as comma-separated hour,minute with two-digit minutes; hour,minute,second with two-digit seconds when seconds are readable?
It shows 2,05,37
